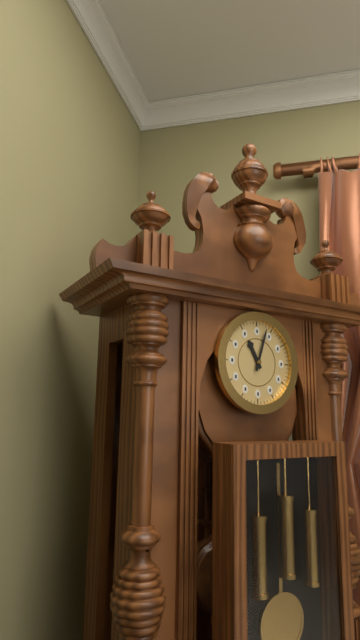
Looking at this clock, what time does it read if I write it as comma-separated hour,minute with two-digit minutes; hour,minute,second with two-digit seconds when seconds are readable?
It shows 11,03
